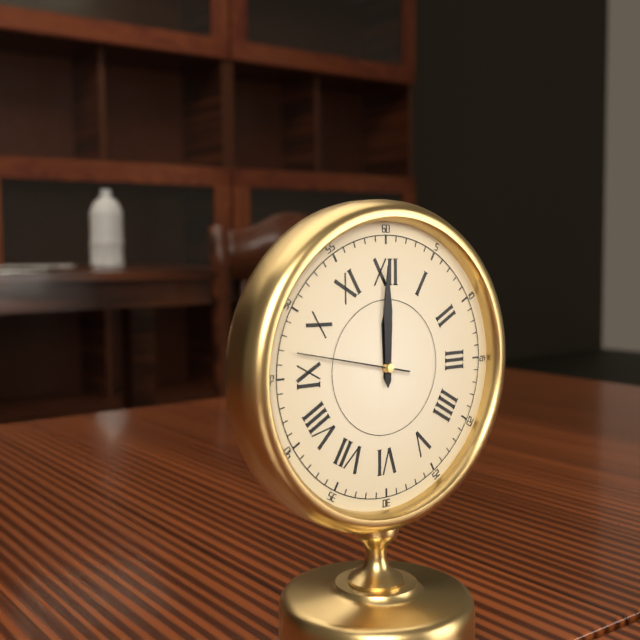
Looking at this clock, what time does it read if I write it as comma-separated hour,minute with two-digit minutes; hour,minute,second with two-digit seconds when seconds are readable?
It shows 12,00,47
